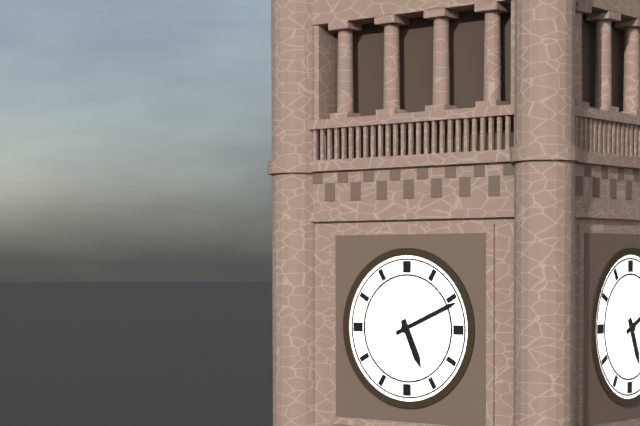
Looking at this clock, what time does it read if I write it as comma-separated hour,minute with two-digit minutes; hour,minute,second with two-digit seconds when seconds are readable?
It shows 5,11
